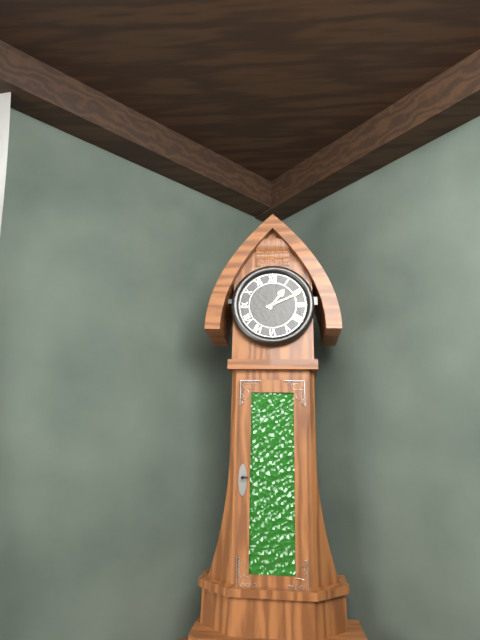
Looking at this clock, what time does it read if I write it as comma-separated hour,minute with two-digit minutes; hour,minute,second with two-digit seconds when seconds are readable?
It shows 1,11
